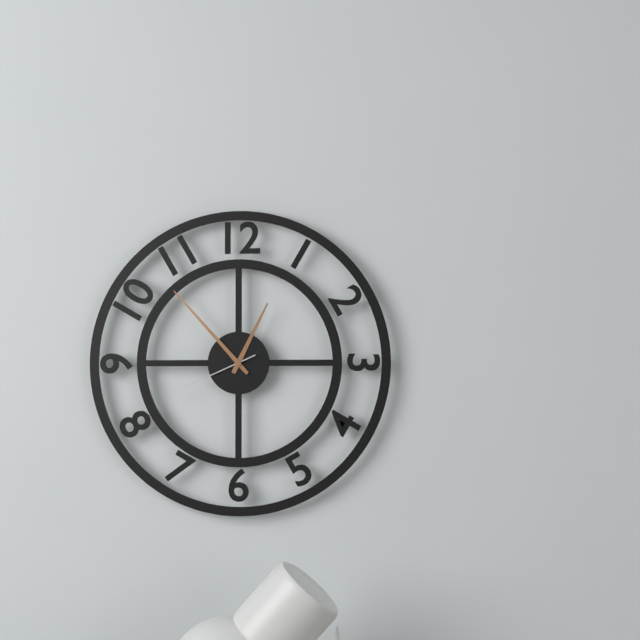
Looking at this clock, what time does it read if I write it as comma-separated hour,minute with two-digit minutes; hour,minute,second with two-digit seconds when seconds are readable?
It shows 12,53,41
